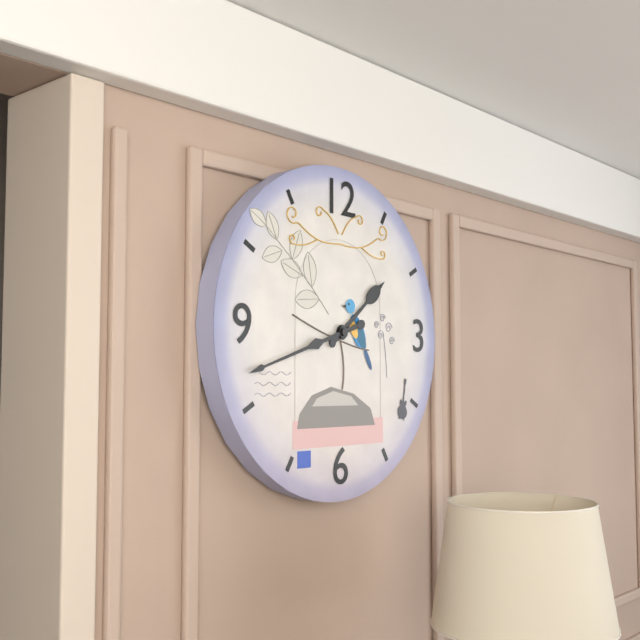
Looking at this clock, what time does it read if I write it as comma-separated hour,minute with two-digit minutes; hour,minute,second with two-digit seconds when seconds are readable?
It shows 1,42
